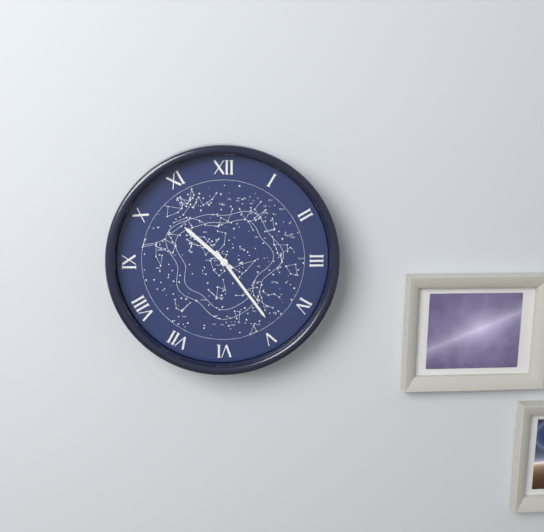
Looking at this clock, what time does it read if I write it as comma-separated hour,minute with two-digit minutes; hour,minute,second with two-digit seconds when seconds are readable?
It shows 10,24
